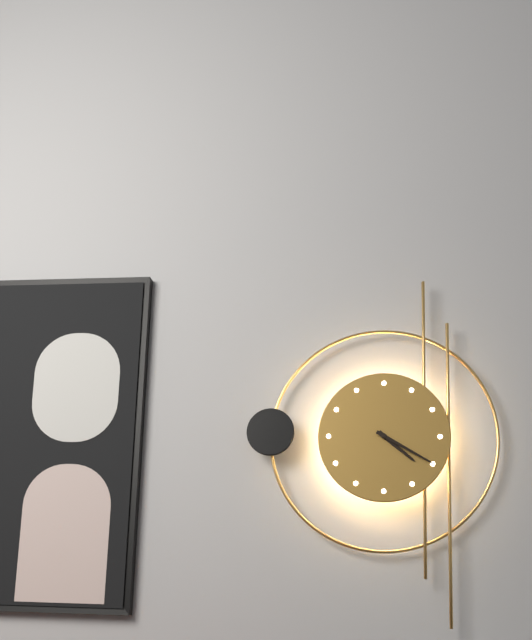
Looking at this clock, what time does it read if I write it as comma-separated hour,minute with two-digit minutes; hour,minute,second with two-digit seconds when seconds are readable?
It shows 4,20
